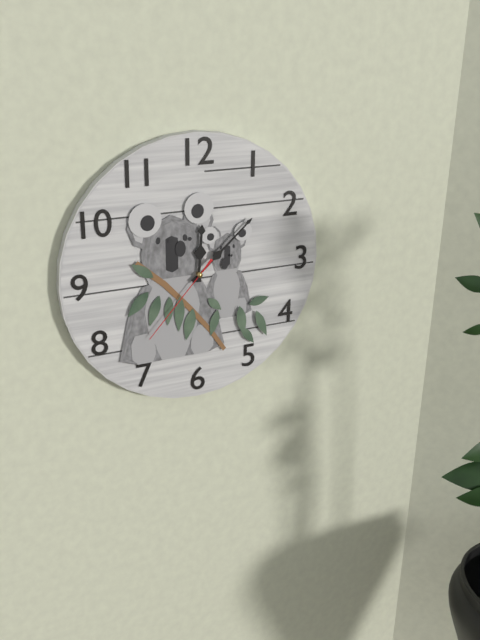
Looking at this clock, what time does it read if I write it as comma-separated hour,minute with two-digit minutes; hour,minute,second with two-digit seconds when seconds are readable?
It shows 12,08,37
